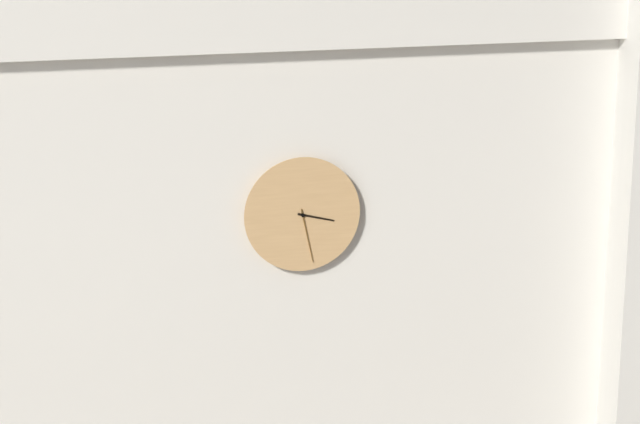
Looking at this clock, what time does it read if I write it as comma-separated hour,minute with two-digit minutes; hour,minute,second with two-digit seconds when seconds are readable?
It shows 3,28
